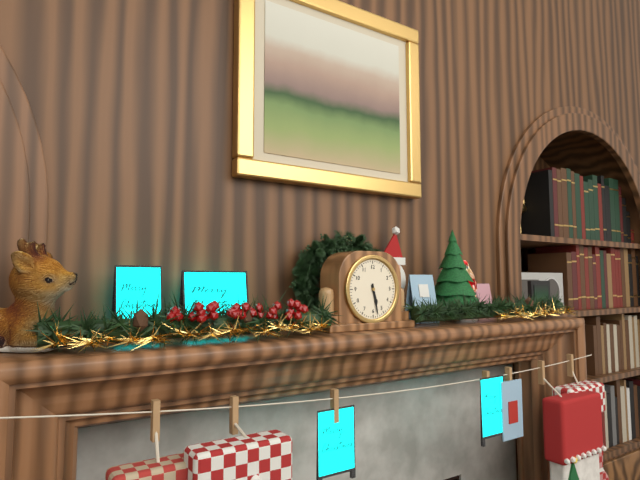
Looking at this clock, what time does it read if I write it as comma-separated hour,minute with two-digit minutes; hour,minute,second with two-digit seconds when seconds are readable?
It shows 5,28
